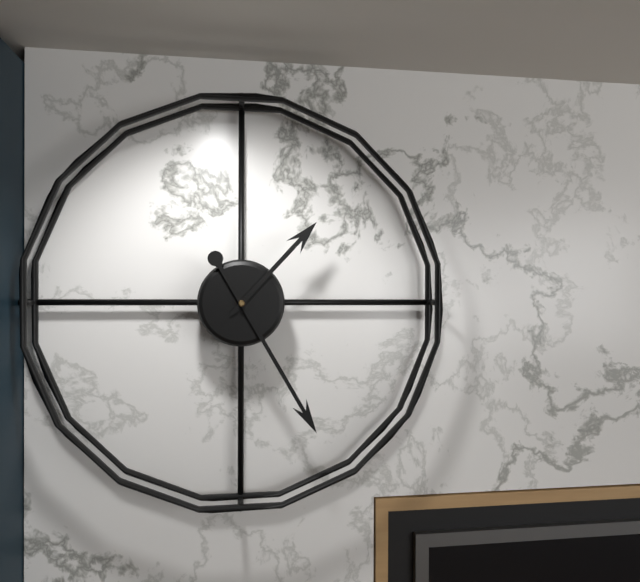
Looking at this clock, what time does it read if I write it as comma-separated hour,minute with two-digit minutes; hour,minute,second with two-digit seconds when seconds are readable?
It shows 1,25
